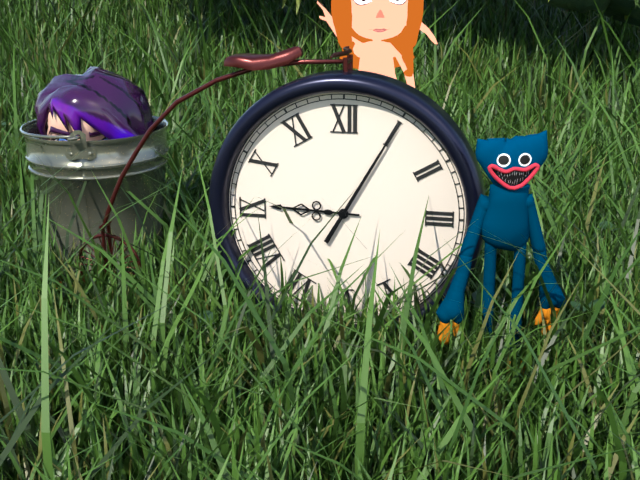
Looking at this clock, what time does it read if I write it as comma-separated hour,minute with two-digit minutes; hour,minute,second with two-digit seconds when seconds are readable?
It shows 9,05
